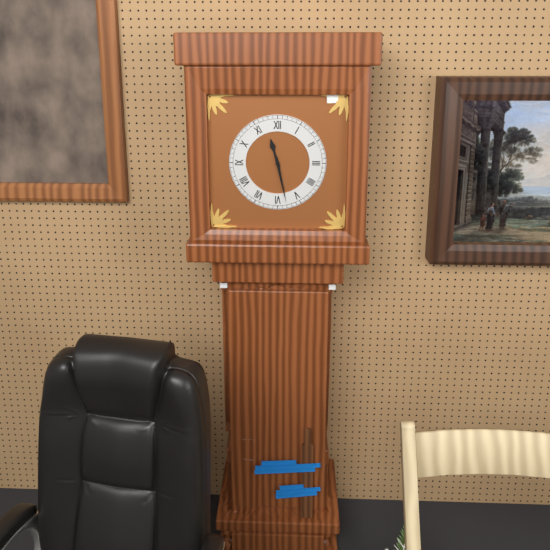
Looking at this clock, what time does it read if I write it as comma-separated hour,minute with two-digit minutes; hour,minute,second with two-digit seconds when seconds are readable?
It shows 11,28
